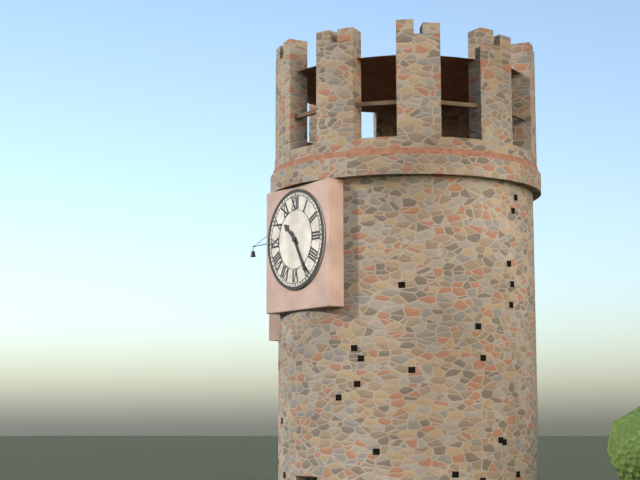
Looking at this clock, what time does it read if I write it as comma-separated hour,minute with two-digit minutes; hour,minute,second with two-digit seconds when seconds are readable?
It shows 10,25
